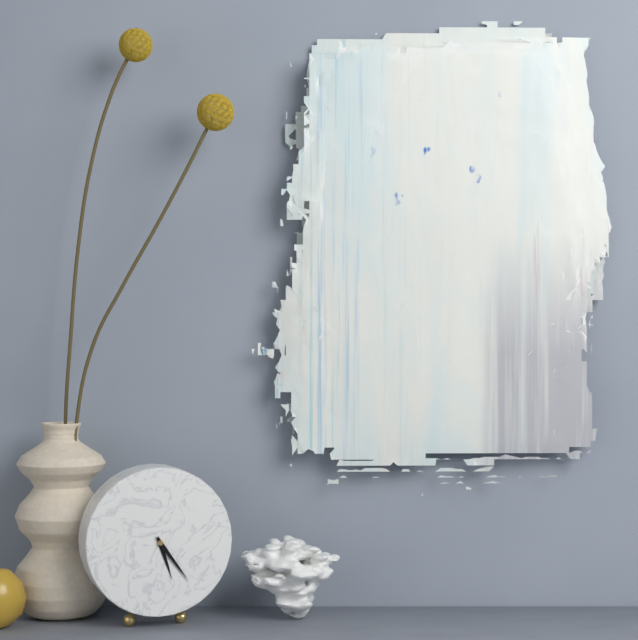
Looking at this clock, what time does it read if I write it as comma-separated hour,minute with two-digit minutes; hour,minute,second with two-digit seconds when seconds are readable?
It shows 5,24
